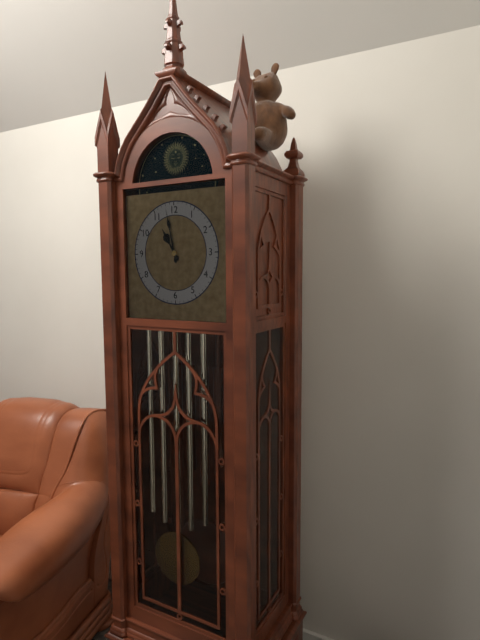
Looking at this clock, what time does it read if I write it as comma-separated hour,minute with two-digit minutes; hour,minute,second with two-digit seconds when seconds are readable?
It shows 10,58
